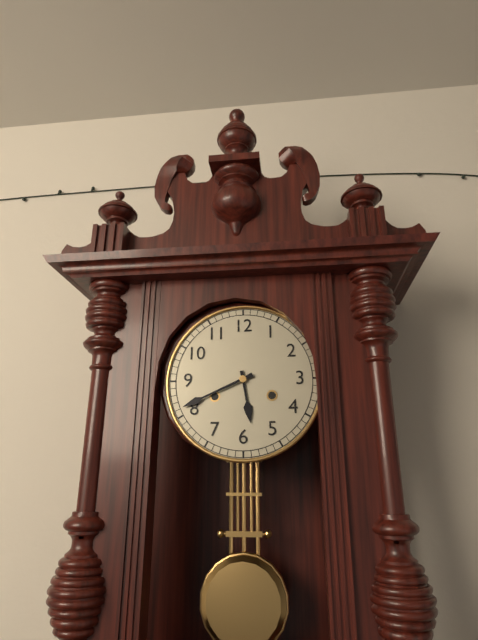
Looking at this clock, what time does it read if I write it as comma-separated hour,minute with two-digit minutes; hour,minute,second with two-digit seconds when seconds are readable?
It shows 5,41
